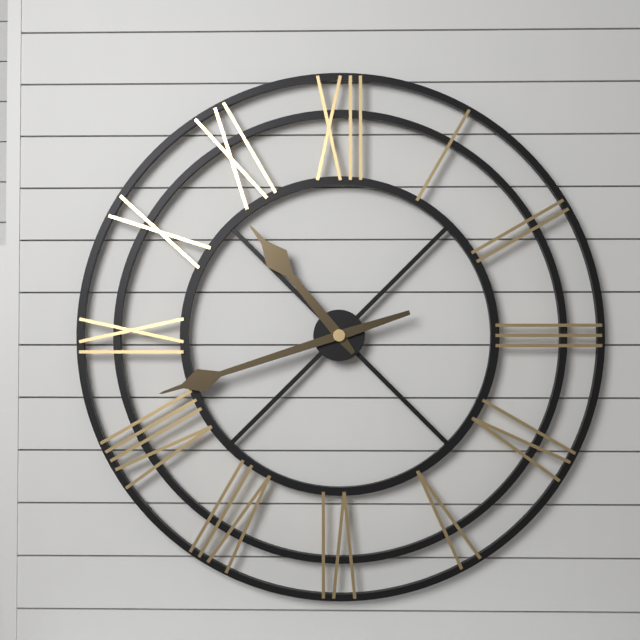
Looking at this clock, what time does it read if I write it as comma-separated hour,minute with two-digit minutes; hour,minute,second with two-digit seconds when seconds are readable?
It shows 10,42
